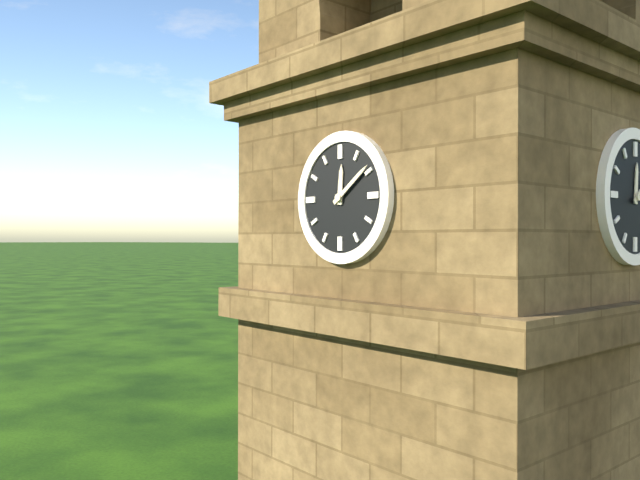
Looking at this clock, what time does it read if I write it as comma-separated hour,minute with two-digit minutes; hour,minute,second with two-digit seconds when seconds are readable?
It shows 12,09
